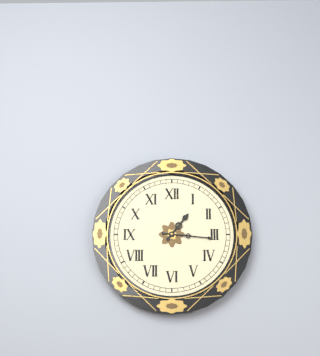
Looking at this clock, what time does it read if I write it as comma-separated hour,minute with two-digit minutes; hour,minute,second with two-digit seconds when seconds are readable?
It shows 1,16
